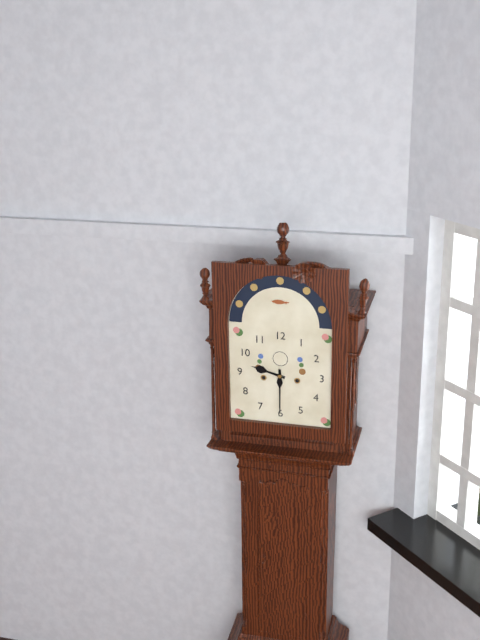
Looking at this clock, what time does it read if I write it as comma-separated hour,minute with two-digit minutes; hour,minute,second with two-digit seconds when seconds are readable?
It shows 9,30
